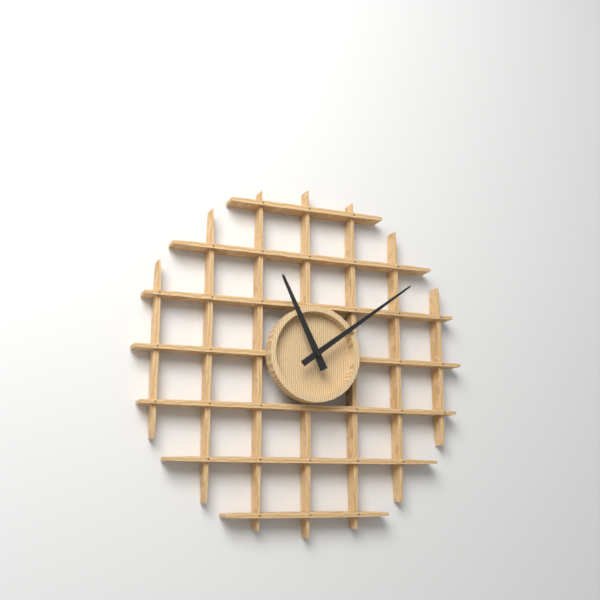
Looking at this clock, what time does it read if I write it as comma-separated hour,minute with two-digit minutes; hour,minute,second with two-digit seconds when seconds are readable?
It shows 11,09
